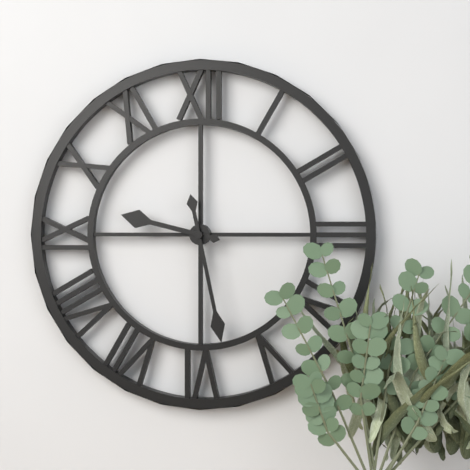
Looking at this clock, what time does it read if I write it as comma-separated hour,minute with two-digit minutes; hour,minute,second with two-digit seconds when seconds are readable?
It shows 9,28
